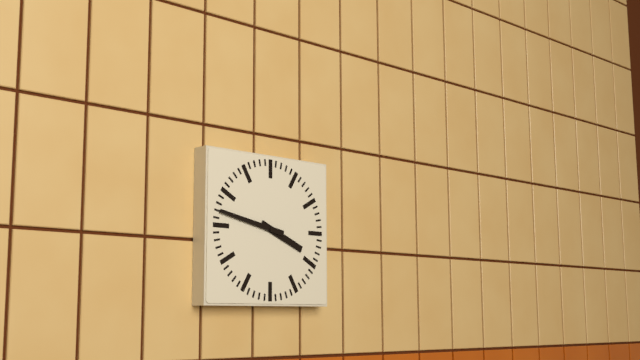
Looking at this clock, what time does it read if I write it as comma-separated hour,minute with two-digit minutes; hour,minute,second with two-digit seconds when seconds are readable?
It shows 3,47
